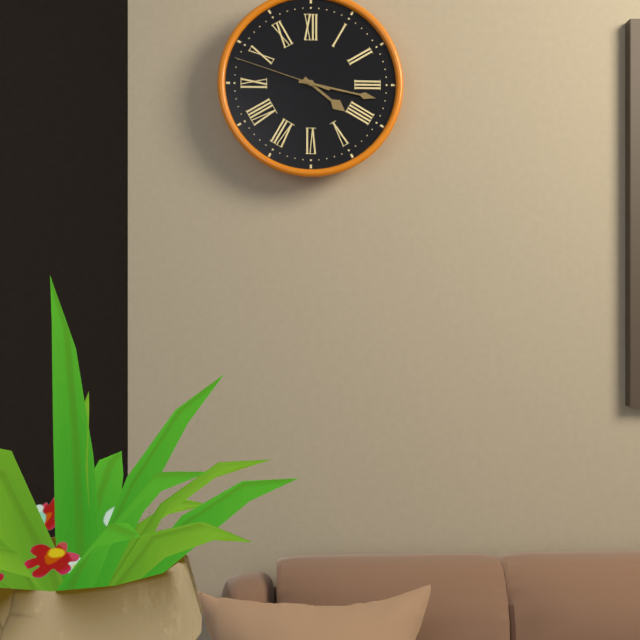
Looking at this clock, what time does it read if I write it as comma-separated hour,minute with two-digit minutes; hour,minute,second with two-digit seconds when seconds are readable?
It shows 4,17,48
